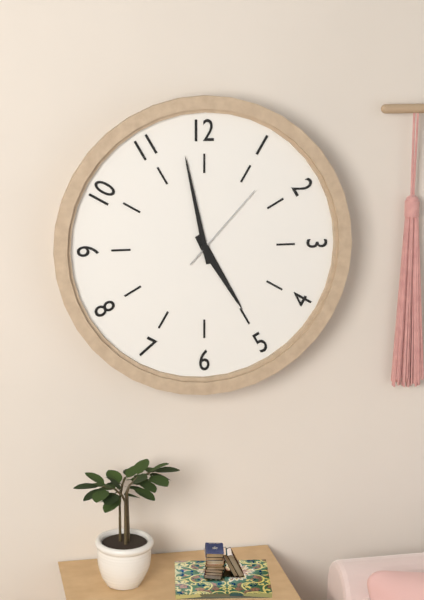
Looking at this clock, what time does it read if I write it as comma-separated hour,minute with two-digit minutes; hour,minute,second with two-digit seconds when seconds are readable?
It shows 4,58,07
